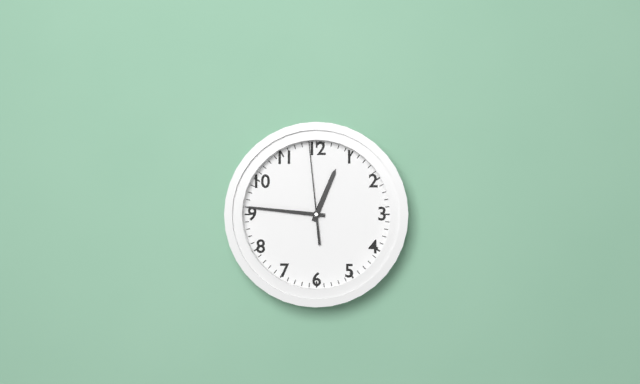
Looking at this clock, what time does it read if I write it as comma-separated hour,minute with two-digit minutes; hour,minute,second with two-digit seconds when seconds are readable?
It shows 12,46,59
